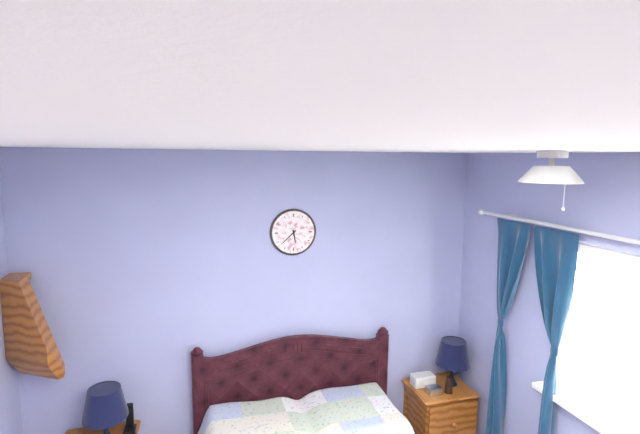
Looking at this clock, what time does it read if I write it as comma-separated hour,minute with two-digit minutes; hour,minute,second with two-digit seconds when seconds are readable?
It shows 5,38
